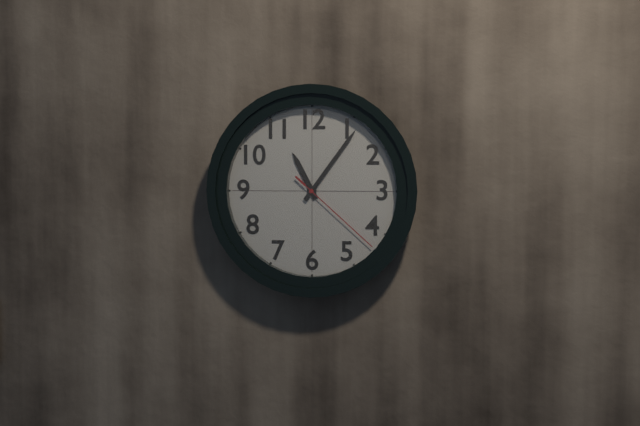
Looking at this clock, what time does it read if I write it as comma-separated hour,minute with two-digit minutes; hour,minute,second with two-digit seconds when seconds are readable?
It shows 11,06,22
